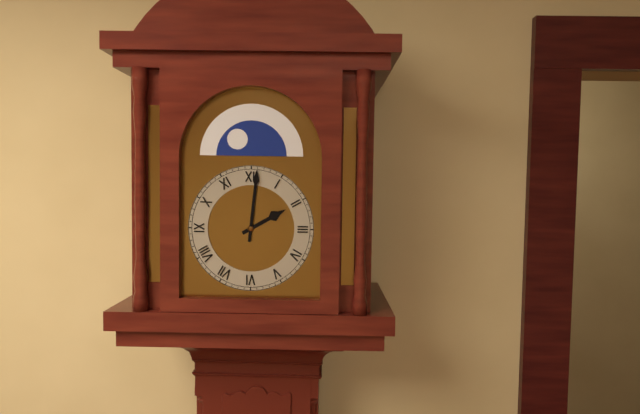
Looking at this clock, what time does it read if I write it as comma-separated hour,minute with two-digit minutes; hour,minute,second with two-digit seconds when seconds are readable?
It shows 2,01
